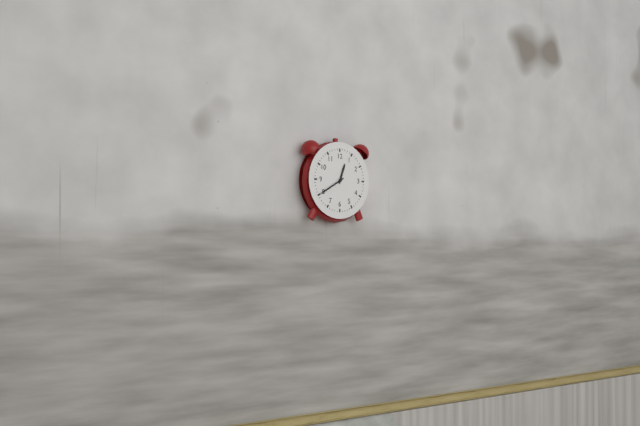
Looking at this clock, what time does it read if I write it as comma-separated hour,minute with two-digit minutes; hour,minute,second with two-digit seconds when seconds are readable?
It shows 12,40
